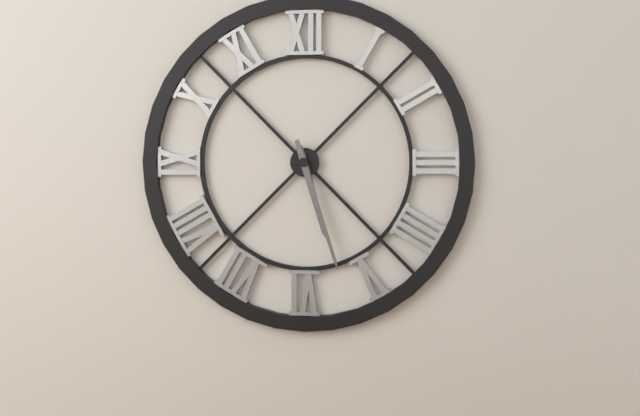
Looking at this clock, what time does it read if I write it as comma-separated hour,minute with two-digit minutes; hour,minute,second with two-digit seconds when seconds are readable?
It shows 5,27
